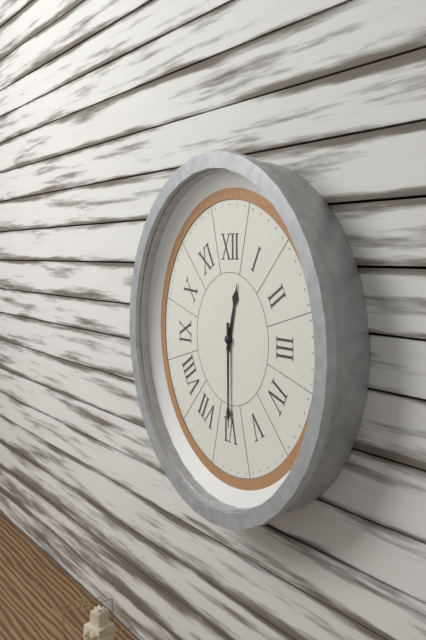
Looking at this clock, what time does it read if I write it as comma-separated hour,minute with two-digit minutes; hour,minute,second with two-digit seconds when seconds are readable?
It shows 12,30
